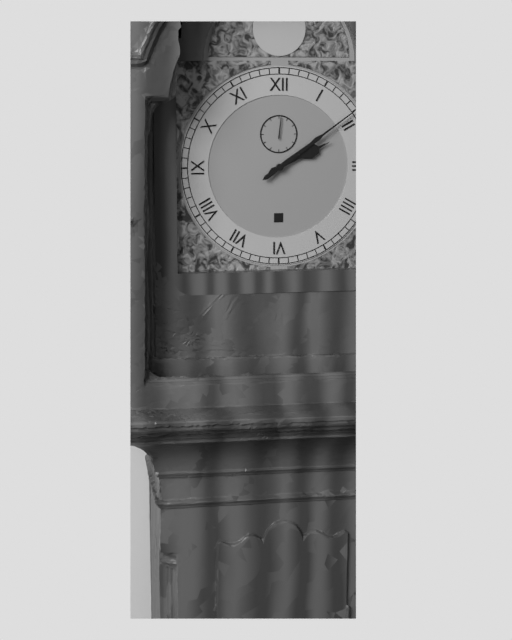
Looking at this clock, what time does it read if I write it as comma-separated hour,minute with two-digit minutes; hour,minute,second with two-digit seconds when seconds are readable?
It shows 2,09
